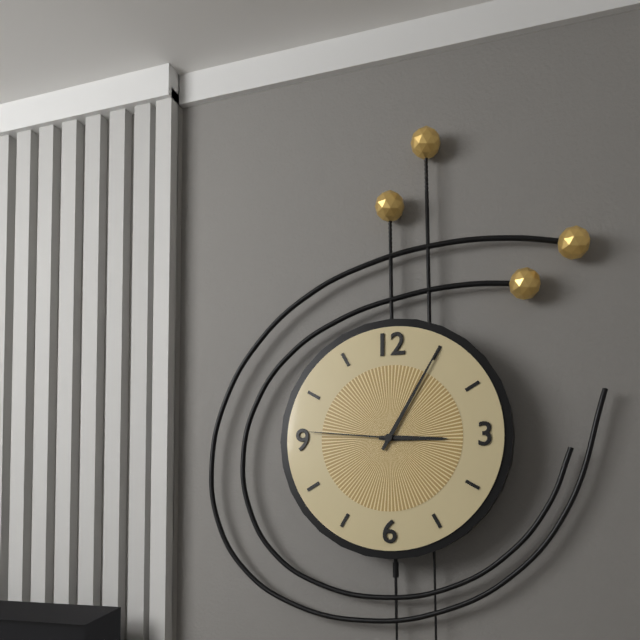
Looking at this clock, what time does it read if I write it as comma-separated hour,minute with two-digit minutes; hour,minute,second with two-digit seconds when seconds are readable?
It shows 3,05,46
